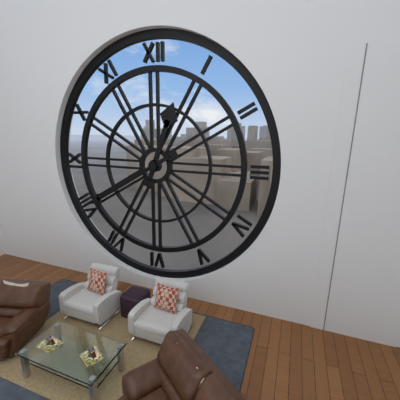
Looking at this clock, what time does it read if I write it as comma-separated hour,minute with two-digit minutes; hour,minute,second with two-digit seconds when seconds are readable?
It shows 12,40
